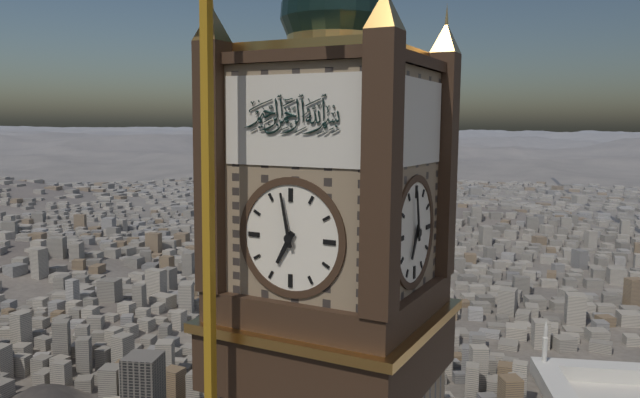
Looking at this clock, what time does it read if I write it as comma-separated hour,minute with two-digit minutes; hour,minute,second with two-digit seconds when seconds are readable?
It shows 6,58
